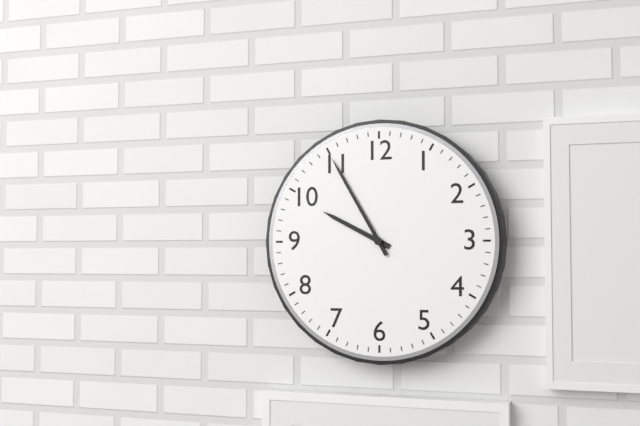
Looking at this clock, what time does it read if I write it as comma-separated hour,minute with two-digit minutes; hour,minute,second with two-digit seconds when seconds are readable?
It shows 9,55
